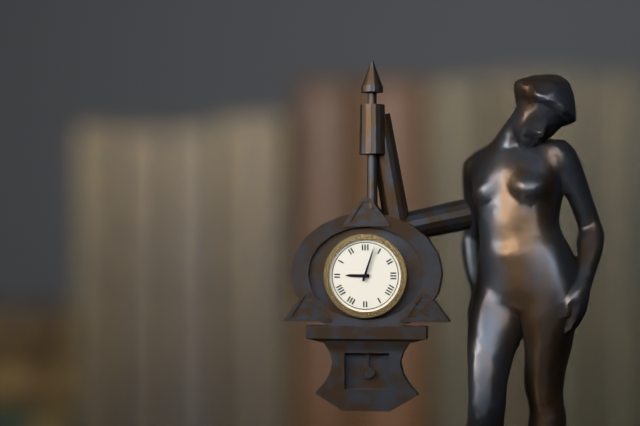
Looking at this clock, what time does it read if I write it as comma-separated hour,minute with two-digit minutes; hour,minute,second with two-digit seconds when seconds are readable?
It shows 9,03
